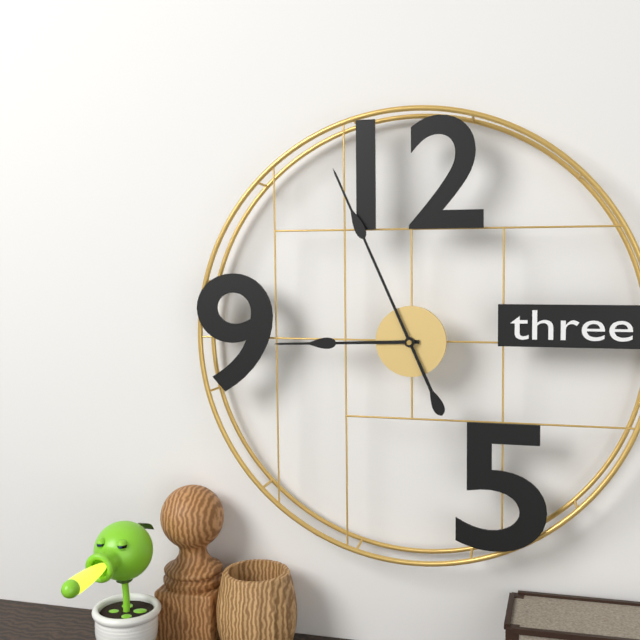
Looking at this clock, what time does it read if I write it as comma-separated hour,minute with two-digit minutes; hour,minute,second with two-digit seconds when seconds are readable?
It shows 8,56
